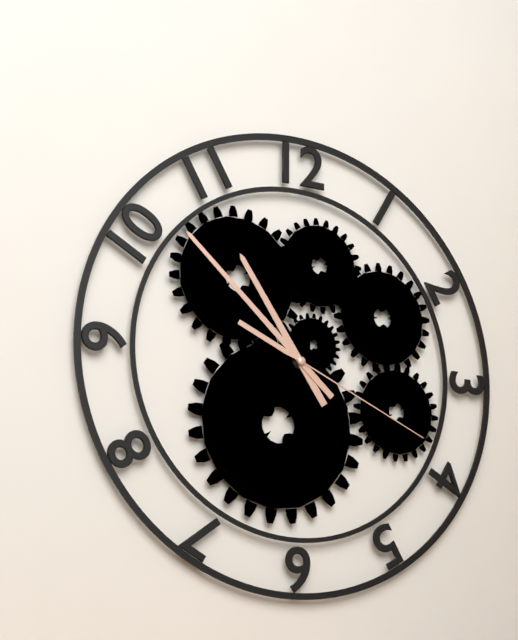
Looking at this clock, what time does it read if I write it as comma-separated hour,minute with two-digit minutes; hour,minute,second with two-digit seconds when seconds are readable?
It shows 10,52,19
